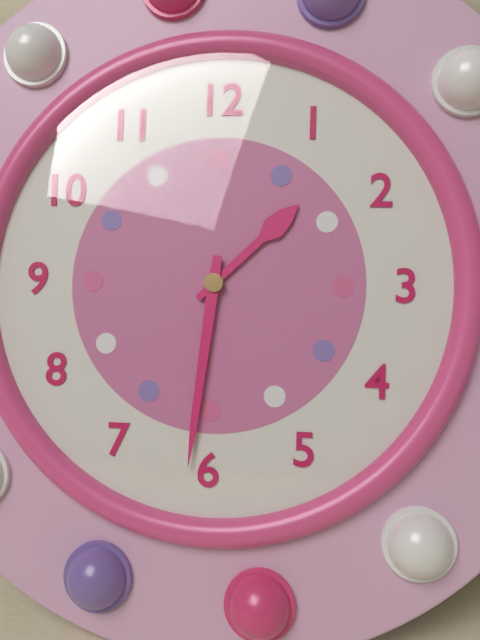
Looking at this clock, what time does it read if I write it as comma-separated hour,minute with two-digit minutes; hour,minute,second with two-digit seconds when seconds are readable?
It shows 1,31
